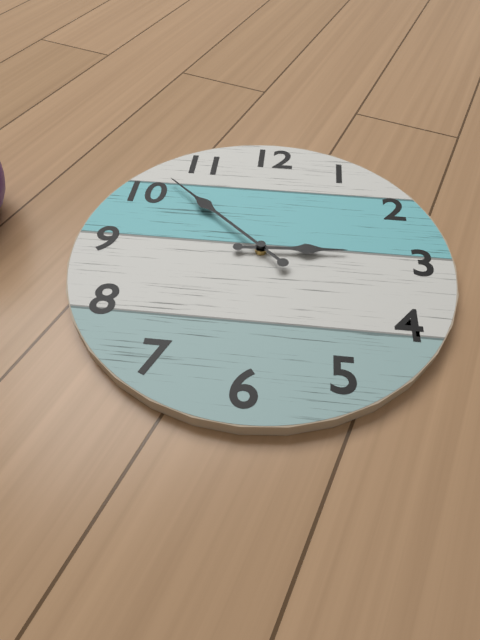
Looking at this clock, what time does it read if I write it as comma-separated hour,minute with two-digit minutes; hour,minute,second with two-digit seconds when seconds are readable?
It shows 2,52
